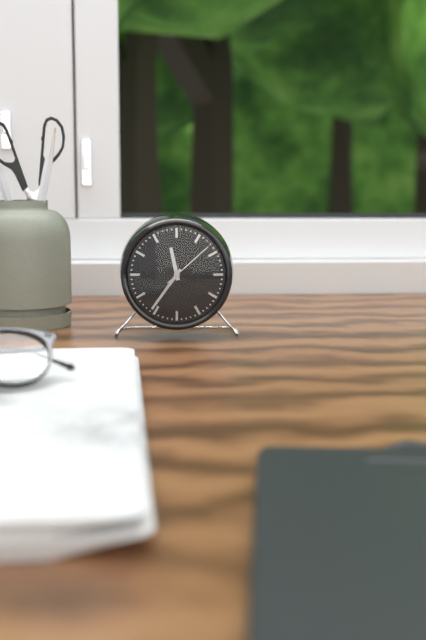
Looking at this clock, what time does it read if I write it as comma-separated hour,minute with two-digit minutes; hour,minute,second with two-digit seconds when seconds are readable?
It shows 11,36,08
